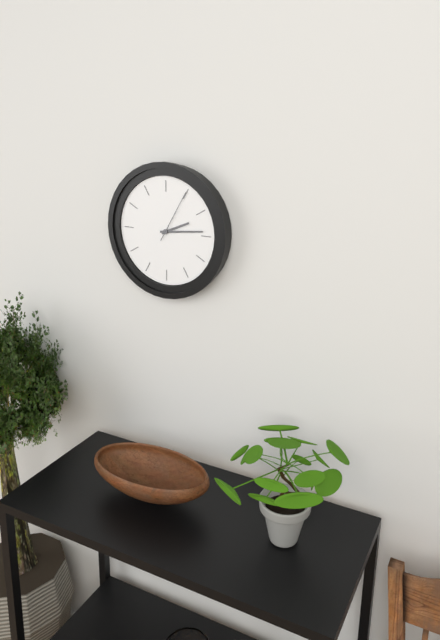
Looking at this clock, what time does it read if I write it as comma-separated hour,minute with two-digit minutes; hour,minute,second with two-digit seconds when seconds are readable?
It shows 2,14,05
